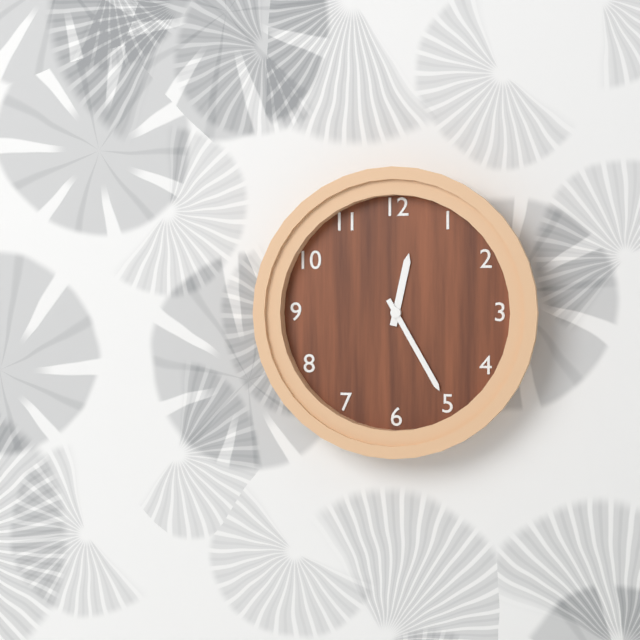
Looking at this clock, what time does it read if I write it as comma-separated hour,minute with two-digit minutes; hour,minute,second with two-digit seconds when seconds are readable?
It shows 12,25
